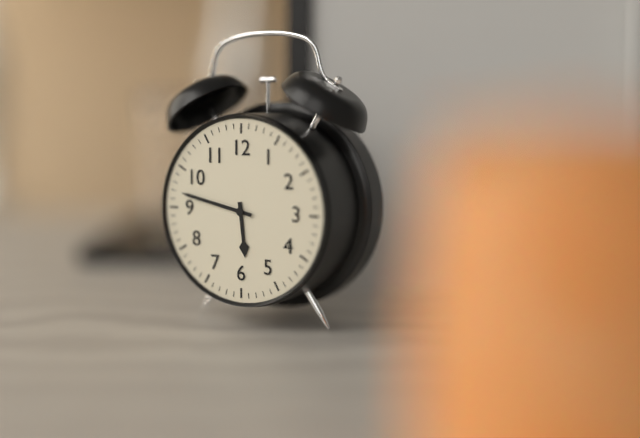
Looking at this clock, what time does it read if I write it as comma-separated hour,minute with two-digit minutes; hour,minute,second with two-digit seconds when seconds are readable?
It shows 5,47
